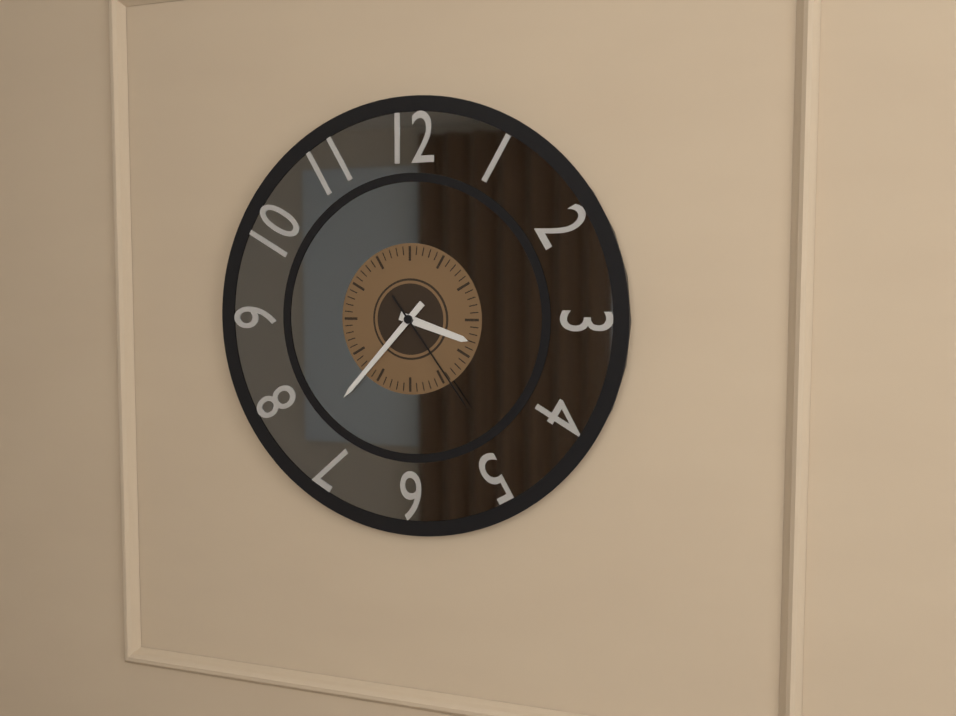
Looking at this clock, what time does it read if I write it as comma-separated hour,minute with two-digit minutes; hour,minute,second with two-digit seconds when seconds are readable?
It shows 3,37,24
